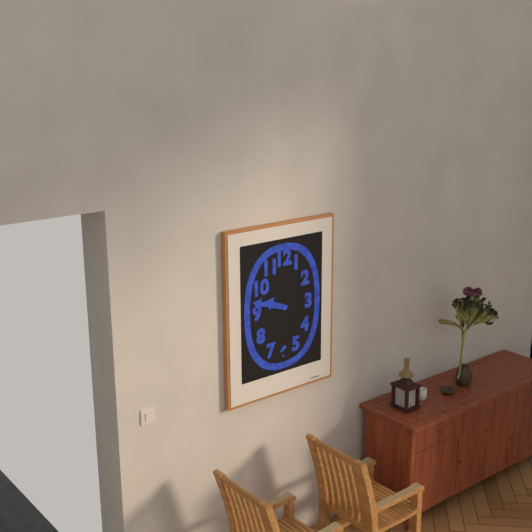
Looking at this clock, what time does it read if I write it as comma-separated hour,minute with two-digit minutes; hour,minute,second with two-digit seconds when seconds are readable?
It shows 9,48
